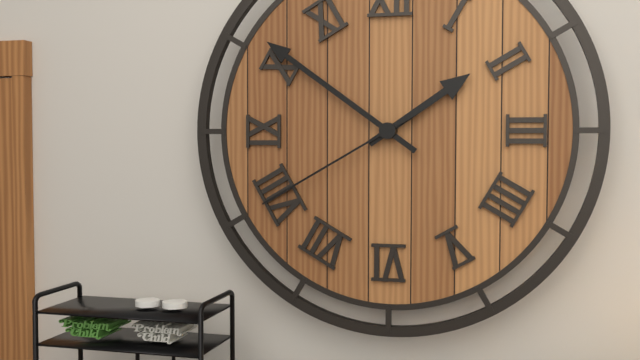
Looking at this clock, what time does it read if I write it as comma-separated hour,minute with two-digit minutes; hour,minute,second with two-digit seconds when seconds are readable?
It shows 1,51,40
